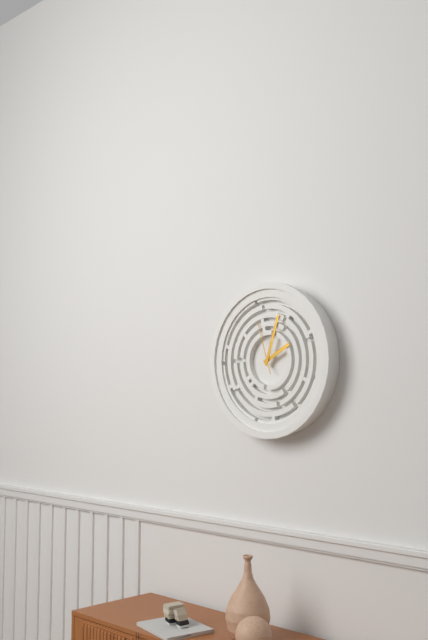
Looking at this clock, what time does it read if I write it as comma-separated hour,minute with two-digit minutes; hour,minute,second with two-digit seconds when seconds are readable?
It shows 2,03,57
